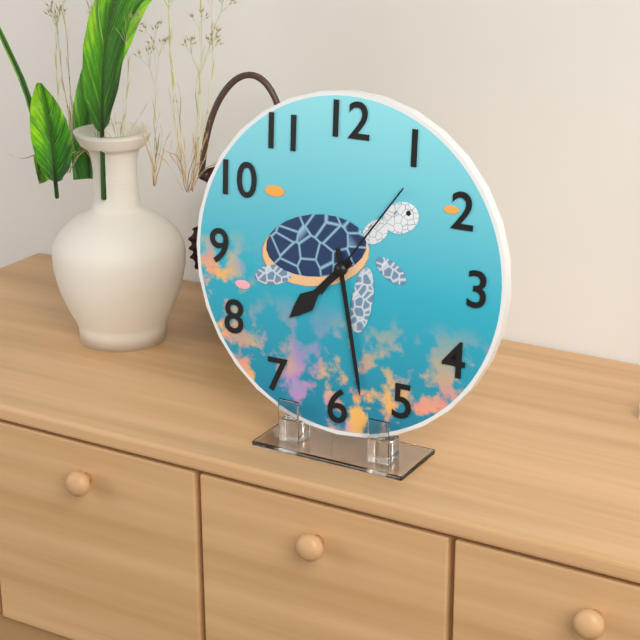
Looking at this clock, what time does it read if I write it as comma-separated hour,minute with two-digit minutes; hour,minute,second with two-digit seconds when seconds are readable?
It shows 7,28,06
